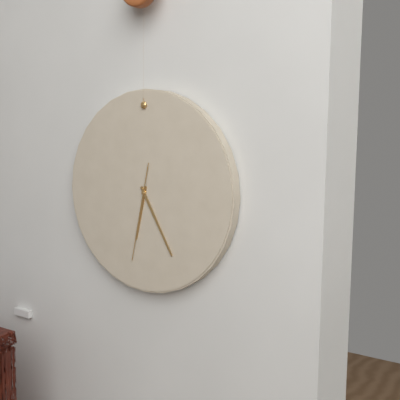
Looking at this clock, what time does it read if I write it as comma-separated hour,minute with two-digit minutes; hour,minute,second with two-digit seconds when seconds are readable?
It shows 6,25,32
